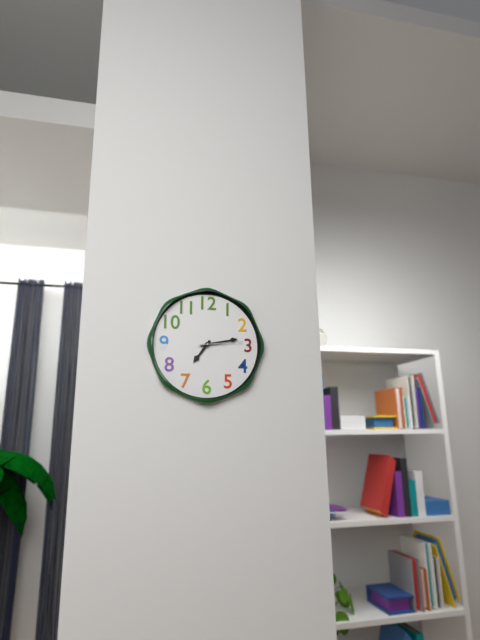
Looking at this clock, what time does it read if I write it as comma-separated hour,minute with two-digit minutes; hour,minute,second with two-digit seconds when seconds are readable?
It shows 7,13
